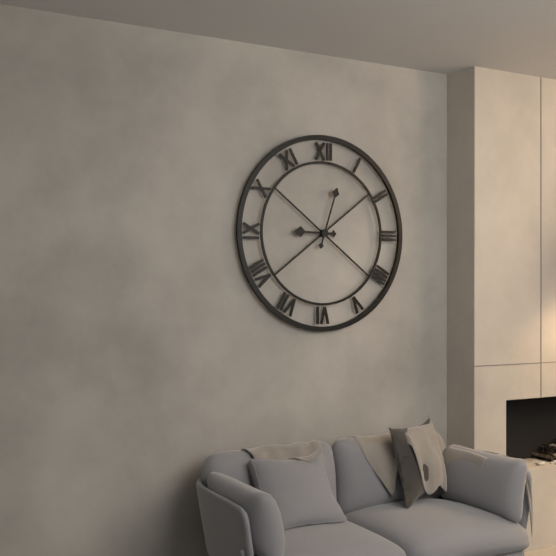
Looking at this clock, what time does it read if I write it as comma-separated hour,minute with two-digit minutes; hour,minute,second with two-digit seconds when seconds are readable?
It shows 9,03
